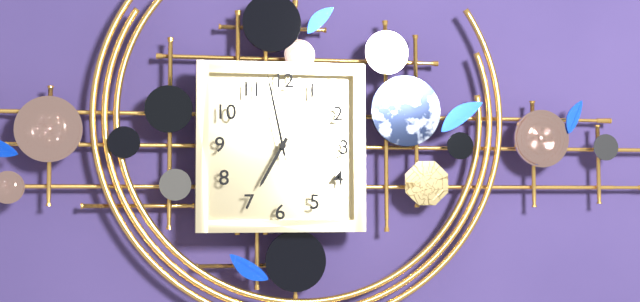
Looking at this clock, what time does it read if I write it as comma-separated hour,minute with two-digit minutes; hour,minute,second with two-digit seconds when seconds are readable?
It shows 6,58,58
